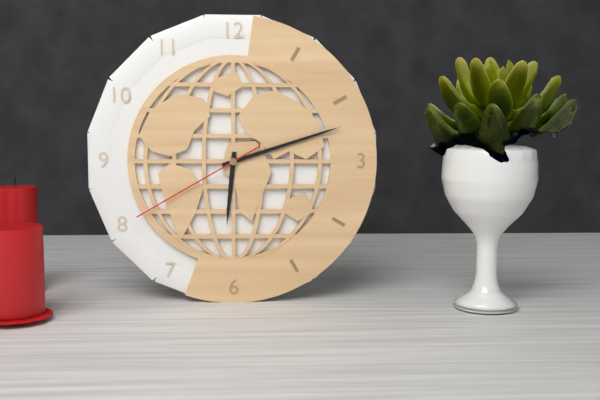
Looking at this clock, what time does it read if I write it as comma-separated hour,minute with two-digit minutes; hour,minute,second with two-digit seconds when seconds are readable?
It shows 6,12,40
